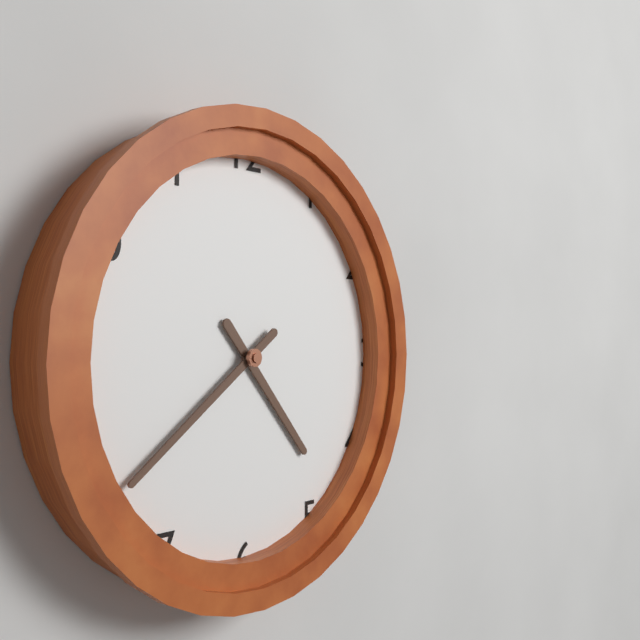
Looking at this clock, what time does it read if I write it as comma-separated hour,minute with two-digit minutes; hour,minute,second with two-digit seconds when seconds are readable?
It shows 4,39
